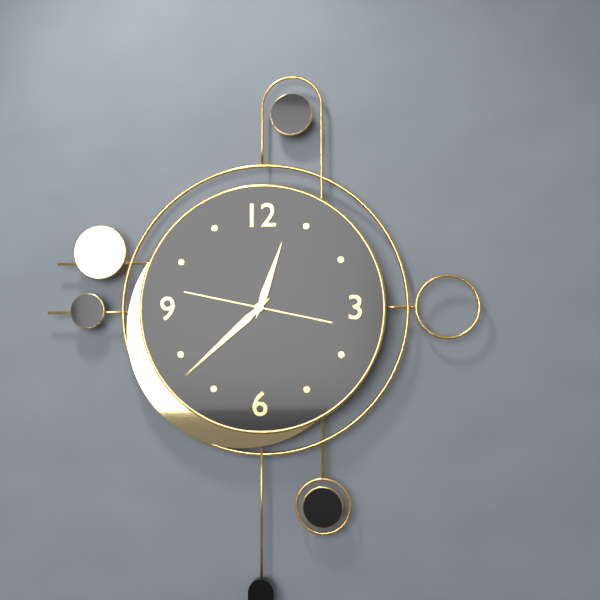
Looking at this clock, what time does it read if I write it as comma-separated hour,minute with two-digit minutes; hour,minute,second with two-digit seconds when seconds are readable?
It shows 12,38,47
